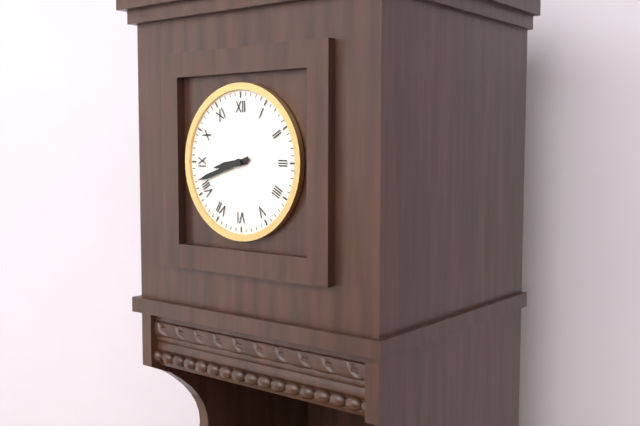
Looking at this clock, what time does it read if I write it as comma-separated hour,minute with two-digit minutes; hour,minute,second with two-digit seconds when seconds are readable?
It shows 8,42
